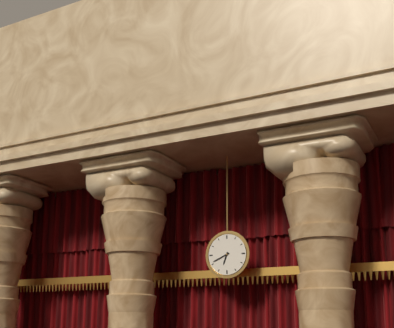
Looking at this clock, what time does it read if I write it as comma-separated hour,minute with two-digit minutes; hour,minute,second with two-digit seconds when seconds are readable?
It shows 6,41
